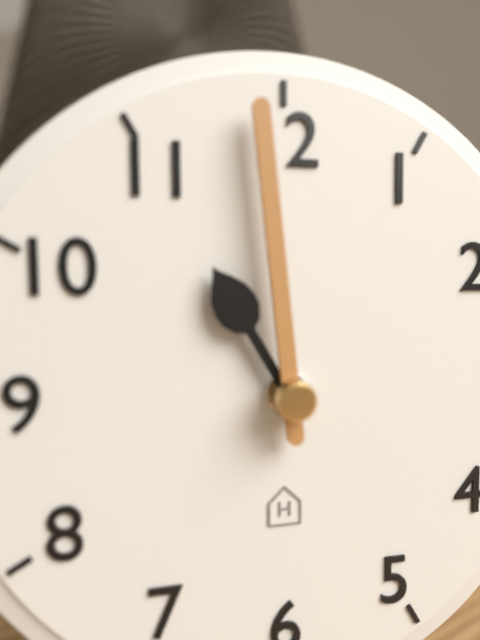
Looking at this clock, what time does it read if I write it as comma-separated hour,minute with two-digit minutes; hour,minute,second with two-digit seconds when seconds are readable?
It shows 10,59
